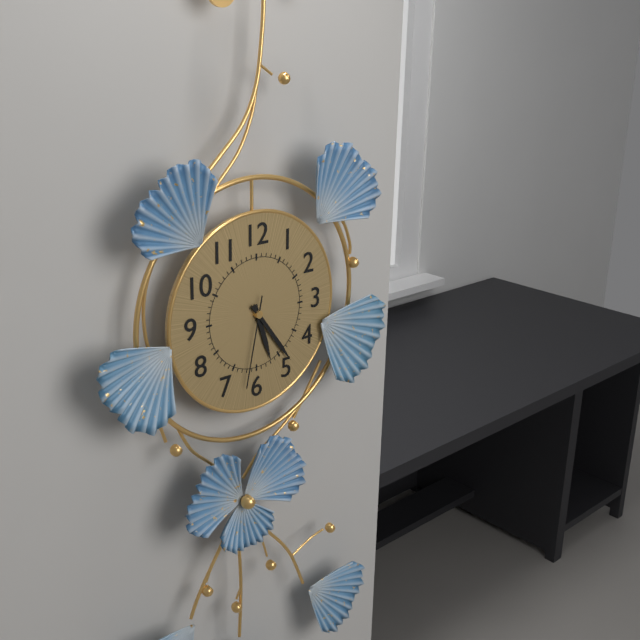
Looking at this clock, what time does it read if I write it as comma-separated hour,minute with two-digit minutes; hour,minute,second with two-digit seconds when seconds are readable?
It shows 5,24,32
